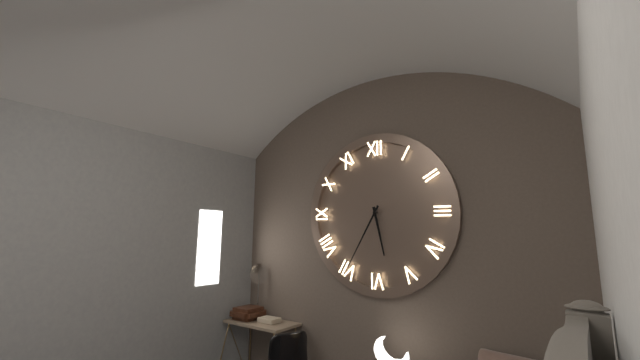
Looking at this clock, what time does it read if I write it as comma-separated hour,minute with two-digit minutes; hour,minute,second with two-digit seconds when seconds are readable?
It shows 5,35
